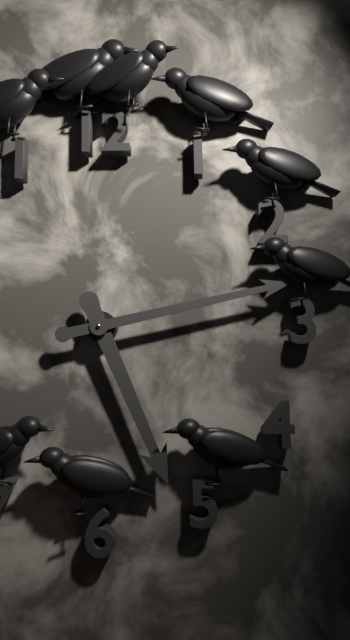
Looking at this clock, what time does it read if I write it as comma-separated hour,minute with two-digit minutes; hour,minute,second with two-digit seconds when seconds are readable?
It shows 5,13
